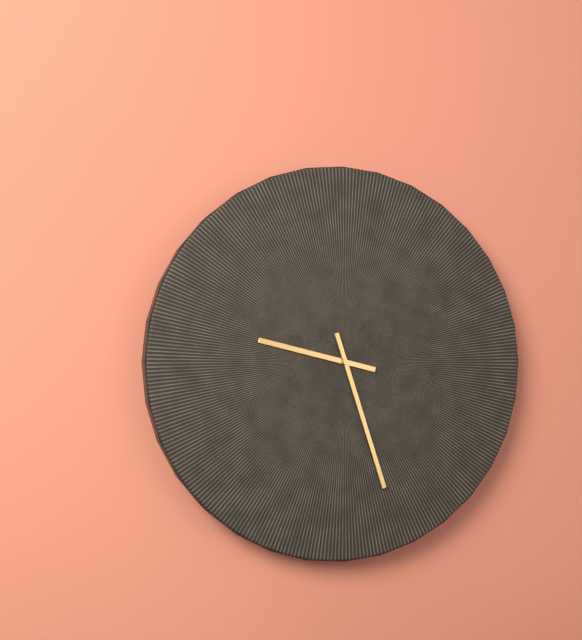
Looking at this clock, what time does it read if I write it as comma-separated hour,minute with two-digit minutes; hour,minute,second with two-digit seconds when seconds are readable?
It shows 9,27
